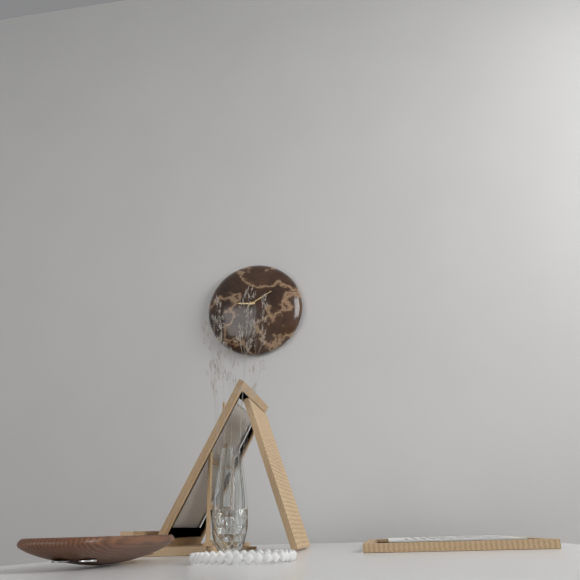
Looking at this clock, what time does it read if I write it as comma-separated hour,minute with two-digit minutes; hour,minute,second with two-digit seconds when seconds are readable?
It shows 9,10
